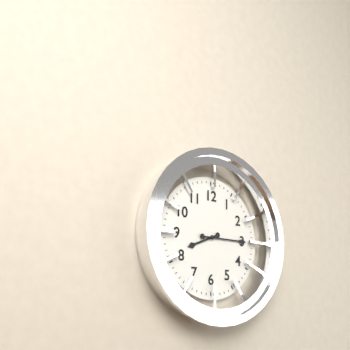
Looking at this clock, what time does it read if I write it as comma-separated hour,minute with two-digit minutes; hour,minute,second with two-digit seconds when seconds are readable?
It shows 8,15
